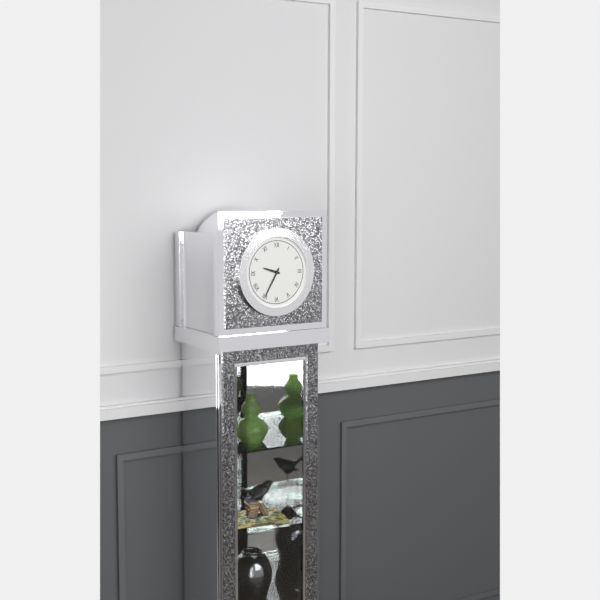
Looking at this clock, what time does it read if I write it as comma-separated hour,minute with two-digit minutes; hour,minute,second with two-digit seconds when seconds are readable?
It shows 9,35
